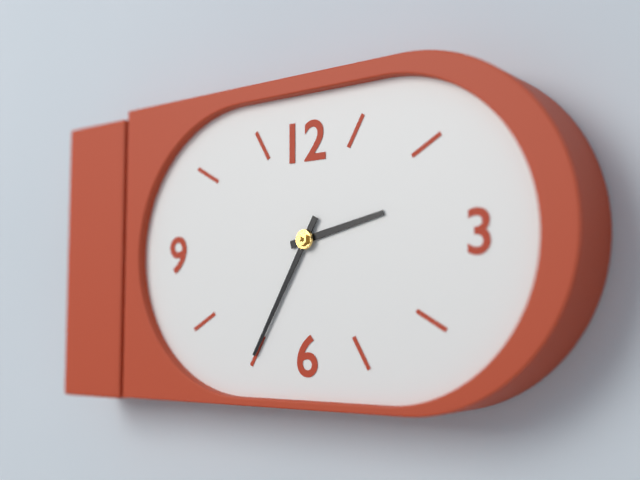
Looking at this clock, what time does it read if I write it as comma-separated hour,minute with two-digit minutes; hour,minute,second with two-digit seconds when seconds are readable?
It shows 2,35
